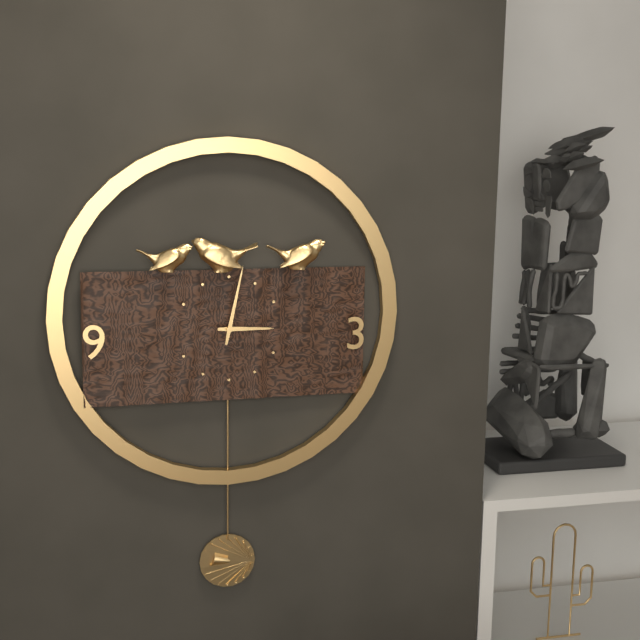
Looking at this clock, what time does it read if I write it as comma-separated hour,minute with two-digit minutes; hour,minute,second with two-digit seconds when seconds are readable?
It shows 3,02
